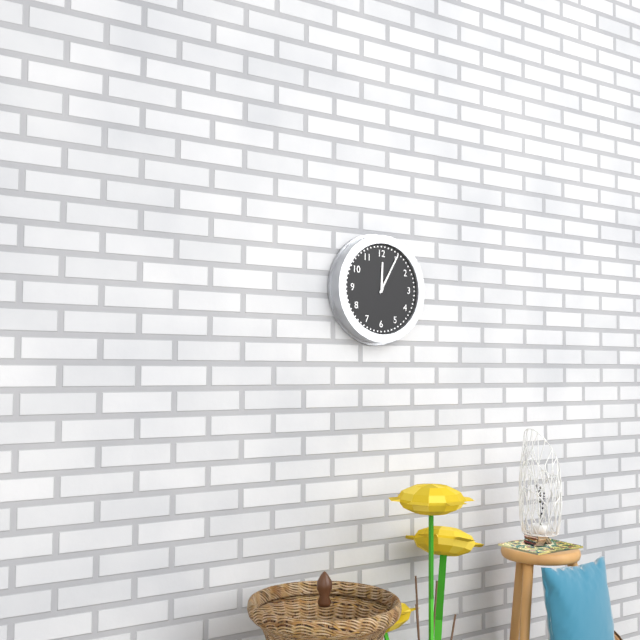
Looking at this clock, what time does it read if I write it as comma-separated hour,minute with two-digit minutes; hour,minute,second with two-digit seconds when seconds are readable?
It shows 12,05
